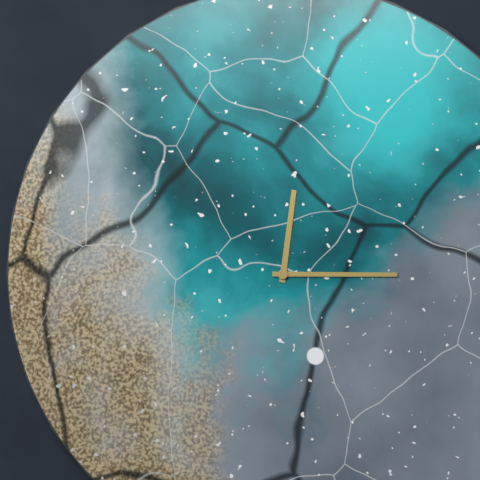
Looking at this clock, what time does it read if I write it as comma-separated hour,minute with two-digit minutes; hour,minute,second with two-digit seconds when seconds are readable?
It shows 12,15
